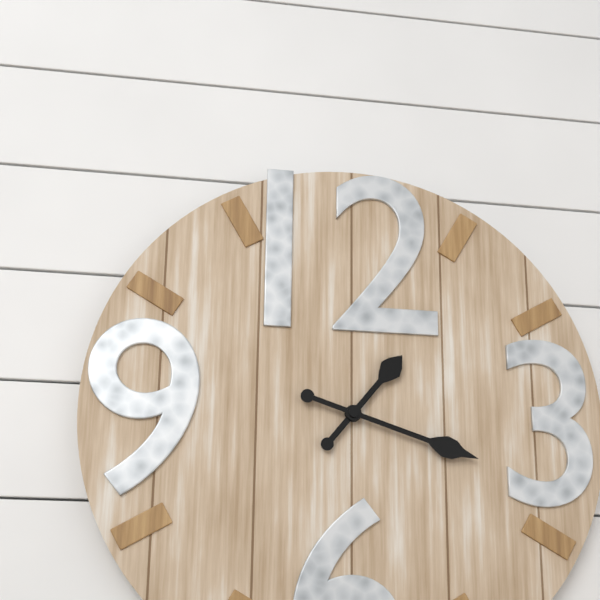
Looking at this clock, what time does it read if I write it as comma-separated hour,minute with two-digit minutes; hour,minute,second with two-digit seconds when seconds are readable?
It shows 1,18
